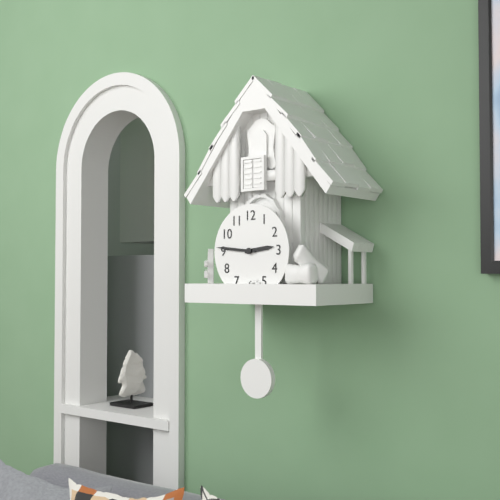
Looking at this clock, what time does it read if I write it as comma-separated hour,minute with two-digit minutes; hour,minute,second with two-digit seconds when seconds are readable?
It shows 2,46
